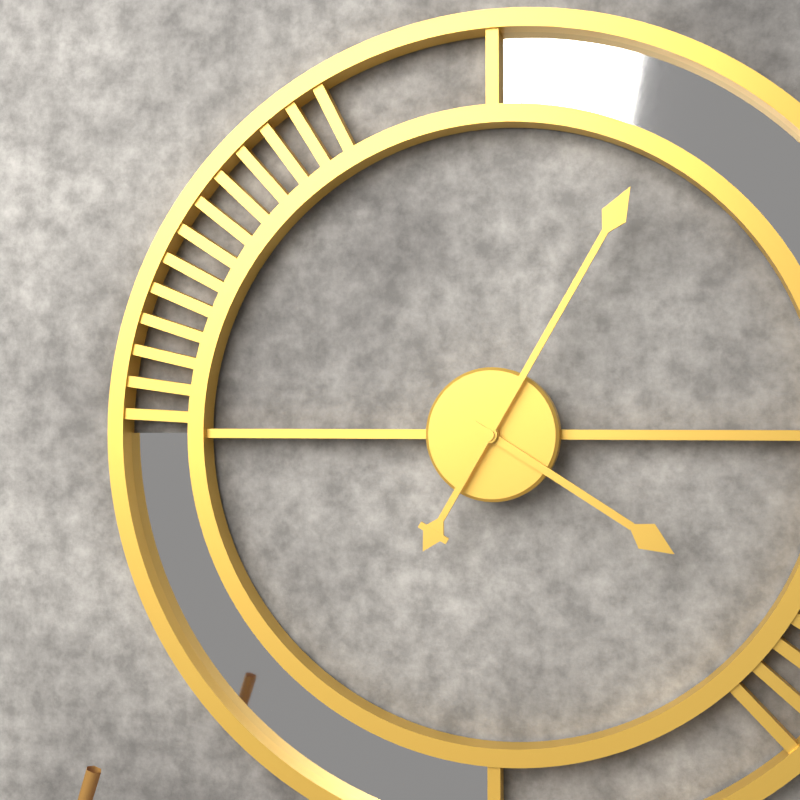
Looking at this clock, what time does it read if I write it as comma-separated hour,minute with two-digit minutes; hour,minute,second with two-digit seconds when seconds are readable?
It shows 4,05
